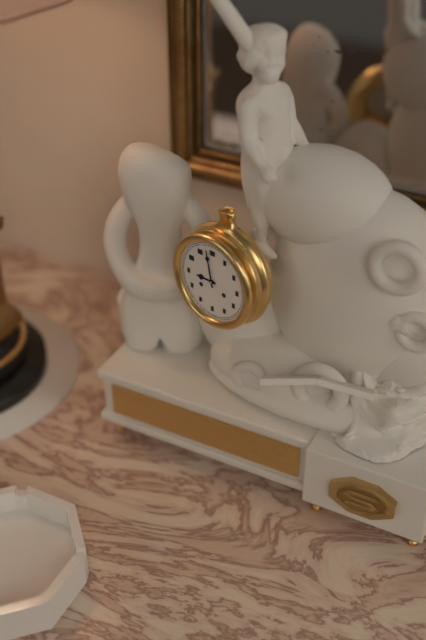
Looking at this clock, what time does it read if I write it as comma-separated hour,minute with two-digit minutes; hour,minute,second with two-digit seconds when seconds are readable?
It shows 8,58
